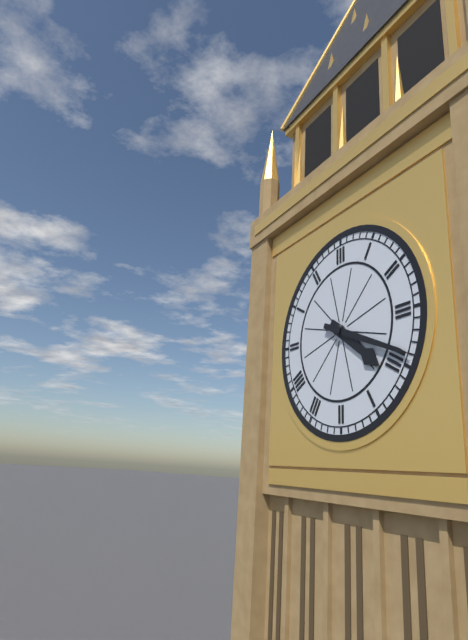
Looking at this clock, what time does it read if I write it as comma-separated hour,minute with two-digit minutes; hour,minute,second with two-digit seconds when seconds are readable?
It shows 4,19
